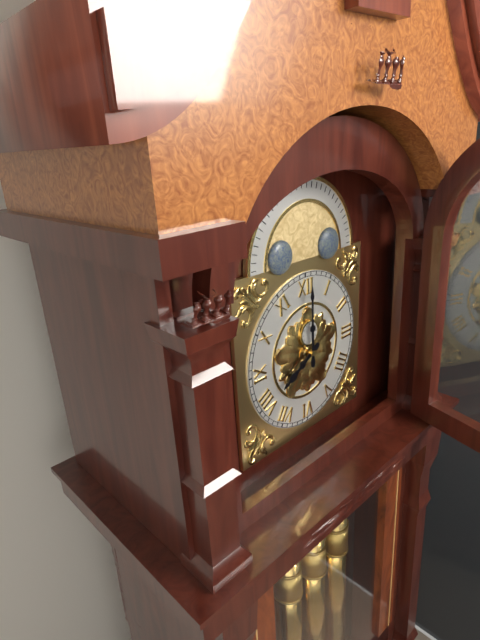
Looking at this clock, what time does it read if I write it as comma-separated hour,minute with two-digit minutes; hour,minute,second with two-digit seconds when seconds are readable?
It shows 8,00
